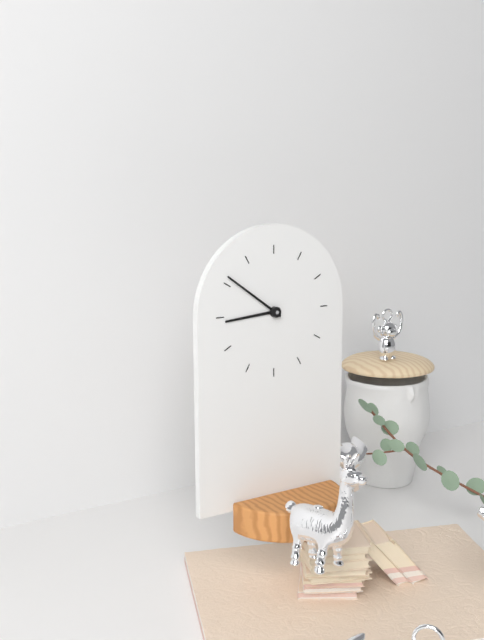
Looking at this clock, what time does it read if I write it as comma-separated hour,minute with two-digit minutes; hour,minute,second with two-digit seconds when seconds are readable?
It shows 8,51
